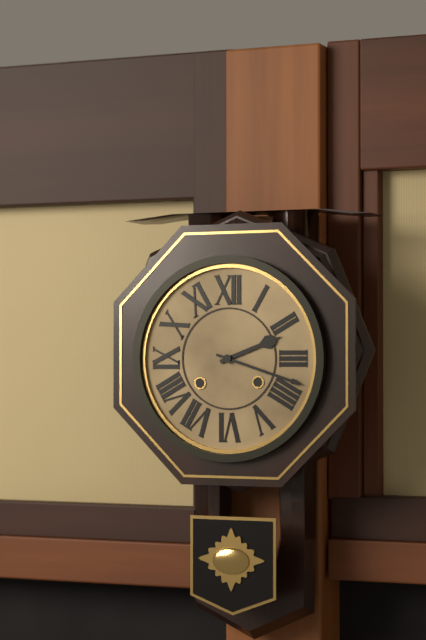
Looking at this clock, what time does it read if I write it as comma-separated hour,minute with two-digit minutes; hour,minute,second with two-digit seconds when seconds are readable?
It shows 2,18
